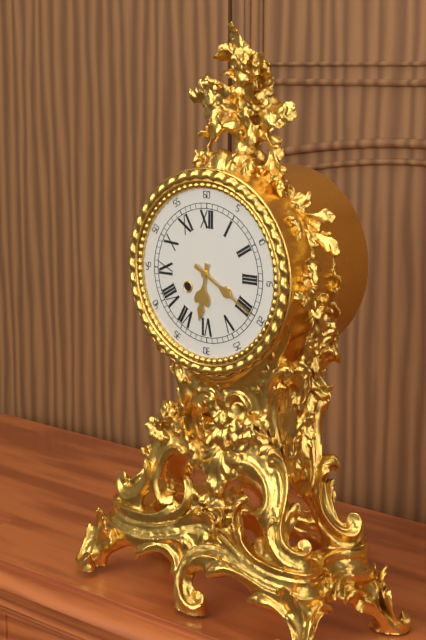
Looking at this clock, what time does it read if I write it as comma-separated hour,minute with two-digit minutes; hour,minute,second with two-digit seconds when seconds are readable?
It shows 6,20
